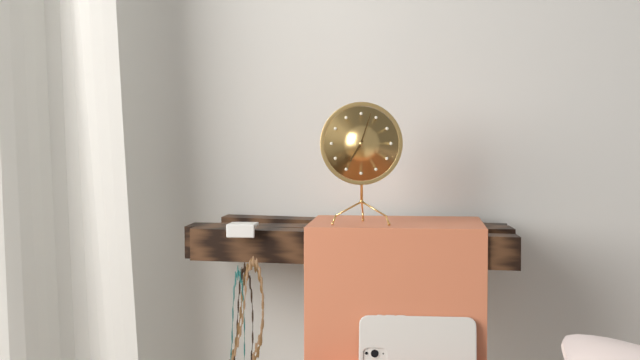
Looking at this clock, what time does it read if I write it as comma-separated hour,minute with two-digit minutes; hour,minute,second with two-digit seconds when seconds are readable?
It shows 7,03
